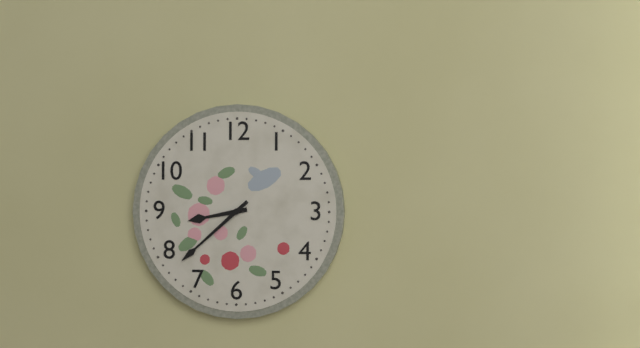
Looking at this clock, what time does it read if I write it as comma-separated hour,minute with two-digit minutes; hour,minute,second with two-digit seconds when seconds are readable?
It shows 8,38
